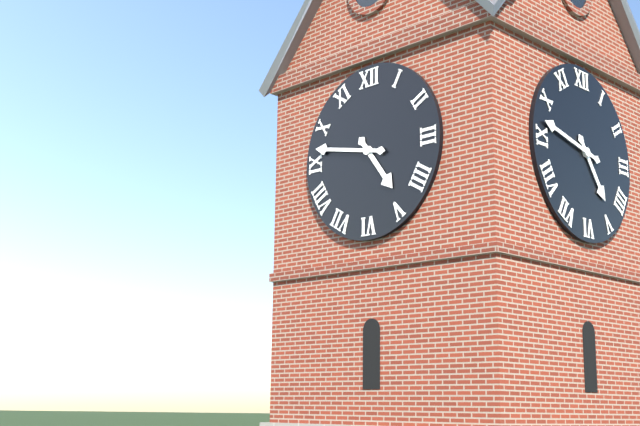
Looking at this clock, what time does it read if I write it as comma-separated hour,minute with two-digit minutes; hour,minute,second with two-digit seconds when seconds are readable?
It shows 4,47
